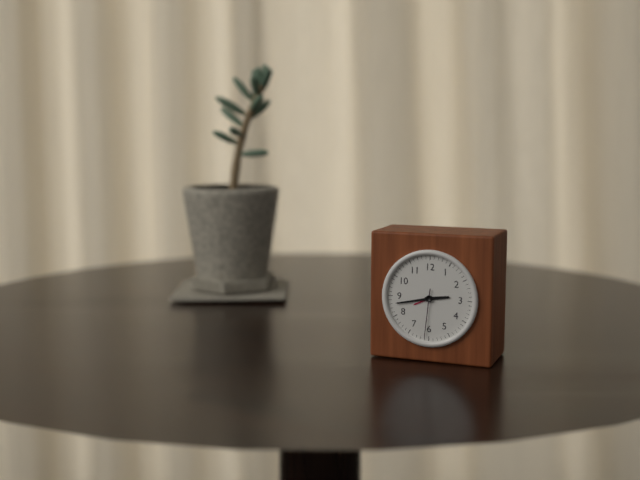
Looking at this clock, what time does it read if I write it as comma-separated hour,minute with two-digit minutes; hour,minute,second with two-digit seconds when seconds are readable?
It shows 2,43,31
